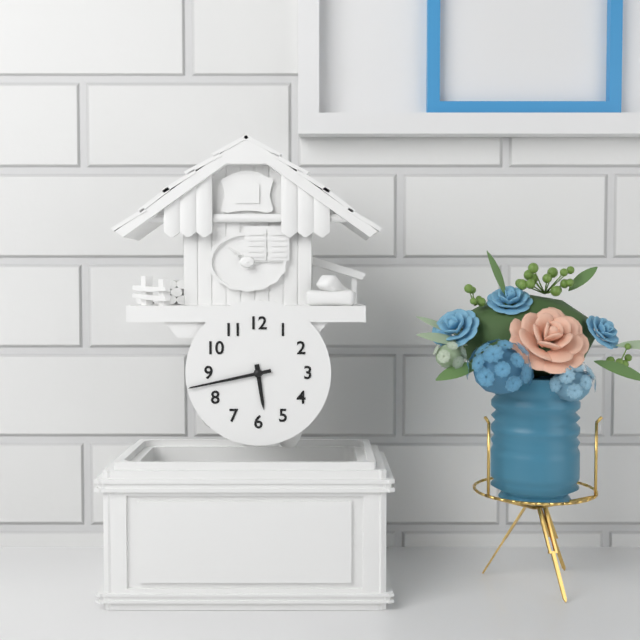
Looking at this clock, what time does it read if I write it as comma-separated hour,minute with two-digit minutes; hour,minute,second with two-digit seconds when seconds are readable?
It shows 5,43
